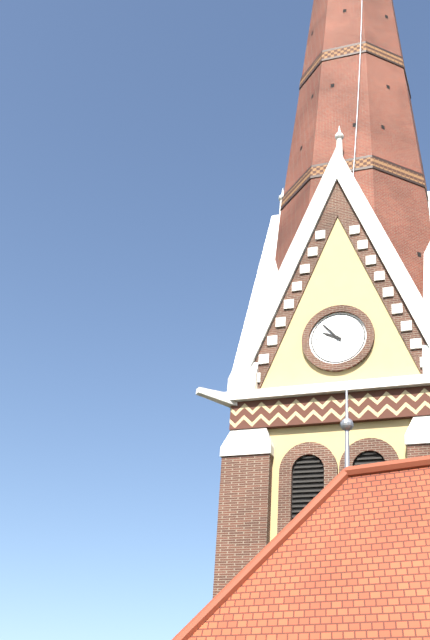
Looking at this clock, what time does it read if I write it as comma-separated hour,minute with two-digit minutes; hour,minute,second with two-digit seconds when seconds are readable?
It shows 9,53
